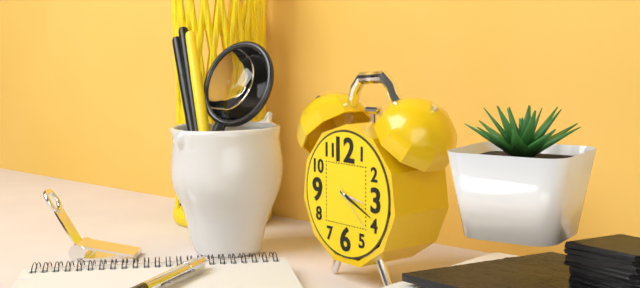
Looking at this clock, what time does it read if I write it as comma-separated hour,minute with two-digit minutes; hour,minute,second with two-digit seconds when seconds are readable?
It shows 3,19,22
